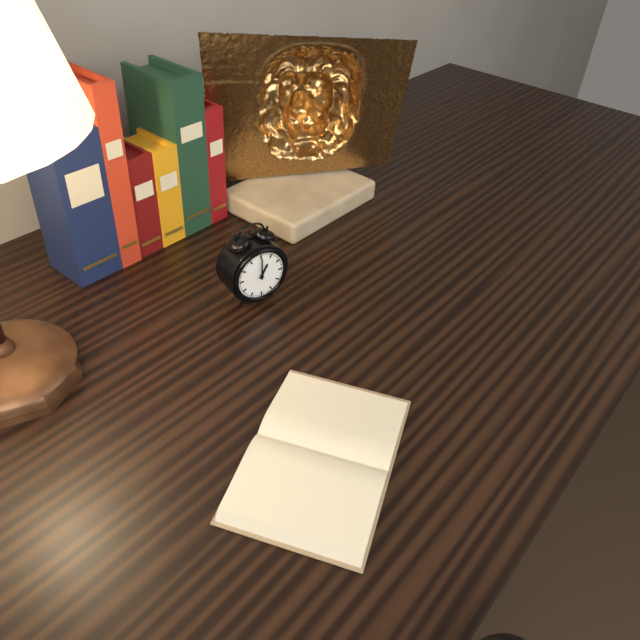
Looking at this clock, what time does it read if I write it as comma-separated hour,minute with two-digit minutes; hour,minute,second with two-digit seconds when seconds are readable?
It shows 1,00
